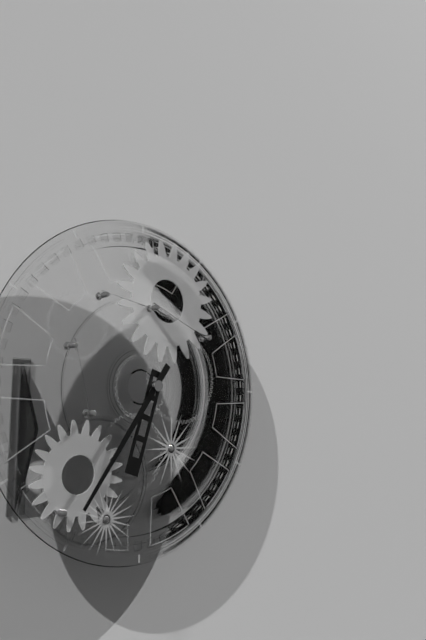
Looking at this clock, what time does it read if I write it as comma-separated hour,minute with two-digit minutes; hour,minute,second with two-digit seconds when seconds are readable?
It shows 6,36
